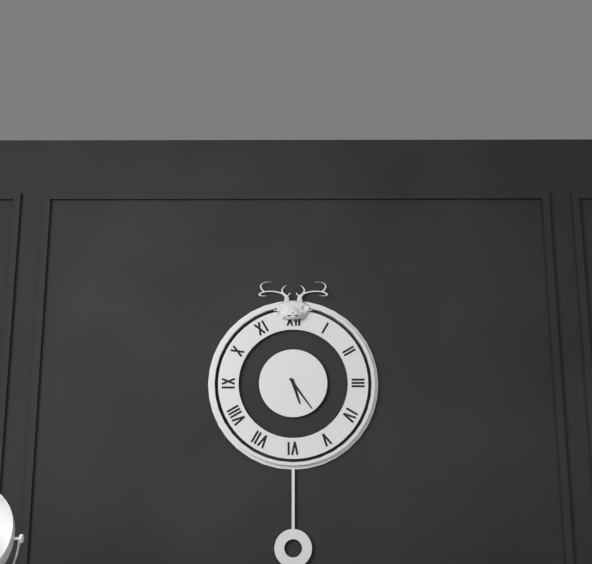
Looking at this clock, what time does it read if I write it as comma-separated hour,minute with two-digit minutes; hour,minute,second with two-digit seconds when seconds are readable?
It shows 5,24
